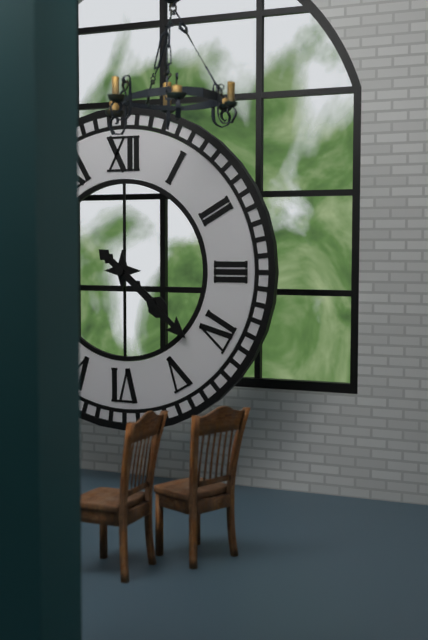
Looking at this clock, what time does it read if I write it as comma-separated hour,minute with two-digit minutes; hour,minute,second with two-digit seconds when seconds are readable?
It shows 4,22
